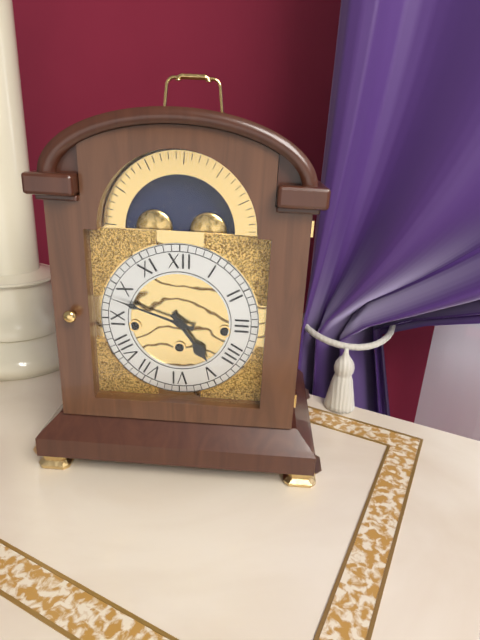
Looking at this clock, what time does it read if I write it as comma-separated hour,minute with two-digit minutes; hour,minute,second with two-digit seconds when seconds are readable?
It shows 4,48
